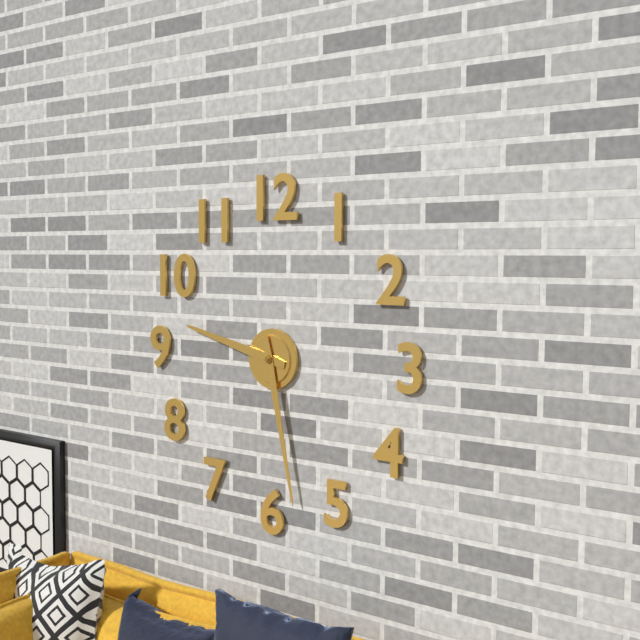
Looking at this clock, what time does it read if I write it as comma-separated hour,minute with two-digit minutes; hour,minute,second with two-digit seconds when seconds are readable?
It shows 9,28
